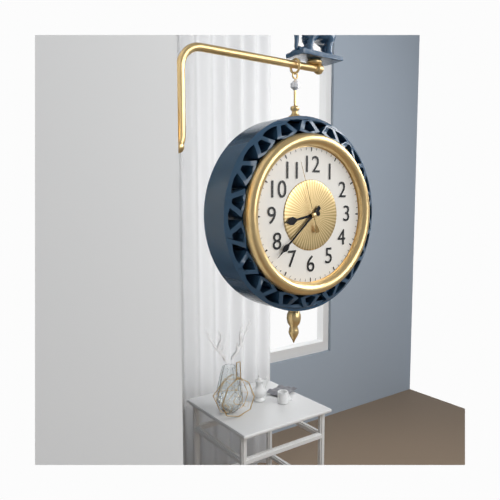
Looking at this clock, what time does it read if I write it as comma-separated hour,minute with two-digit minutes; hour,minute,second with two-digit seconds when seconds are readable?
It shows 8,38,57
